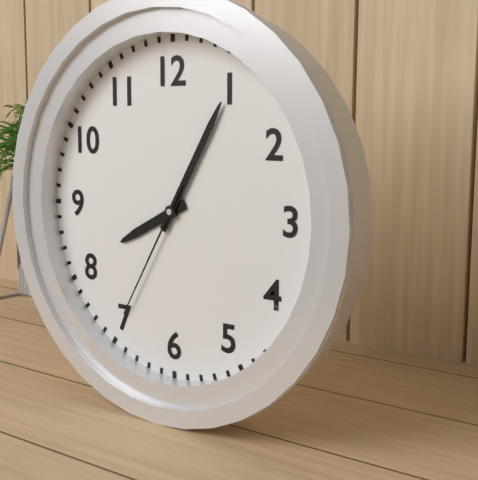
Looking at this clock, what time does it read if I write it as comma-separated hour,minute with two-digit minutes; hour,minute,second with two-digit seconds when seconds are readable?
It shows 8,05,35
